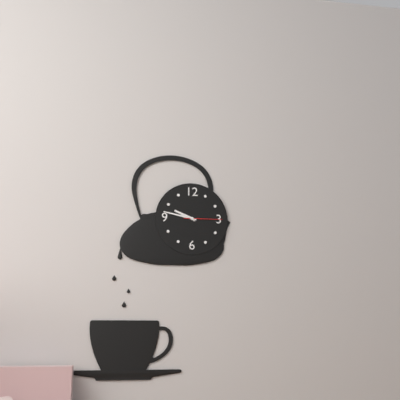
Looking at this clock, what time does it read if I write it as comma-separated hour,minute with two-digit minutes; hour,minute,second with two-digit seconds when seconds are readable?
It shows 9,47
